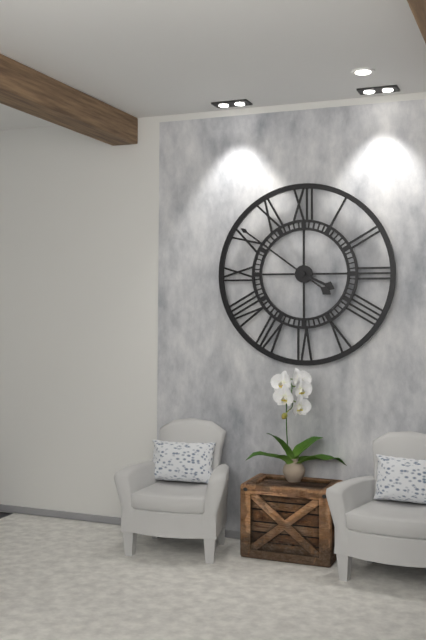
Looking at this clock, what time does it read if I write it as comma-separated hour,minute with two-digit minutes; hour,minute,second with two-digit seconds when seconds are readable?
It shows 3,51
